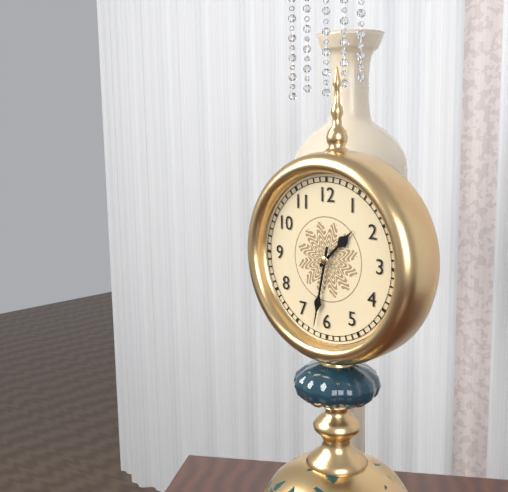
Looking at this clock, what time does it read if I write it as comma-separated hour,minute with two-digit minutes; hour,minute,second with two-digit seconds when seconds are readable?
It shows 1,32
